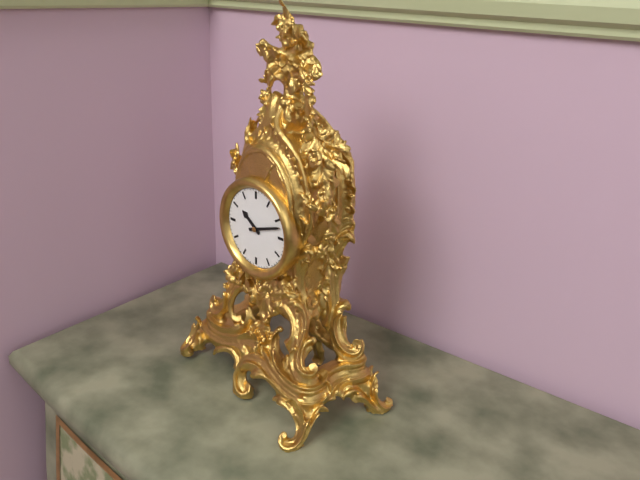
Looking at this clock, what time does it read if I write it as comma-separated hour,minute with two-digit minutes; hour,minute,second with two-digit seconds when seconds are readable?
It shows 10,12
